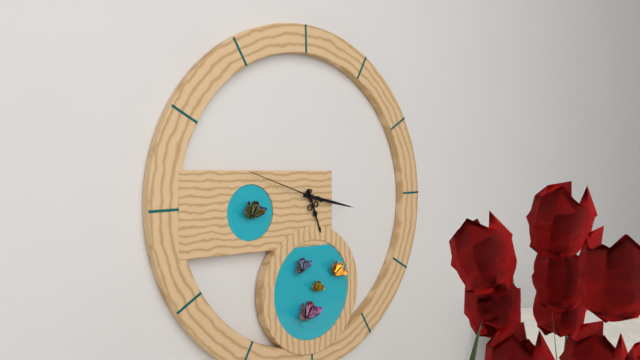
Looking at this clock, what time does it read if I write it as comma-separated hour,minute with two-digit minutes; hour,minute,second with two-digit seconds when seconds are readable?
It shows 5,17,48
